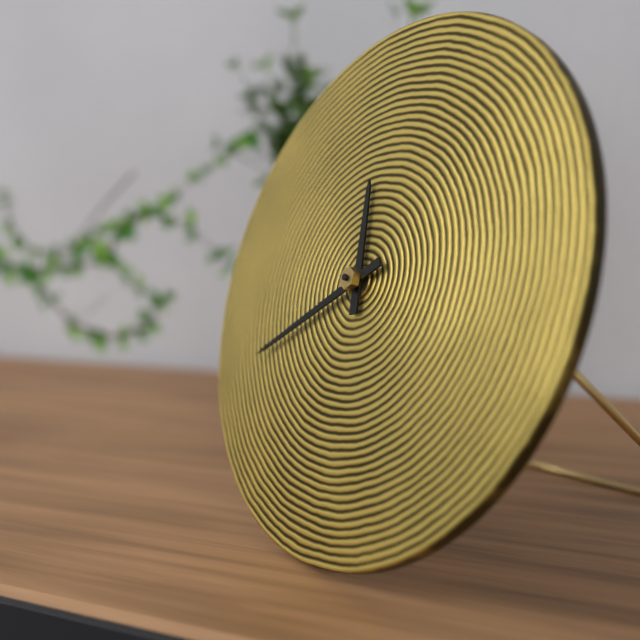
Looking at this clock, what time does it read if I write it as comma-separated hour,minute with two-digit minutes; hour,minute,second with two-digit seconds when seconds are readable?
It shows 11,40
